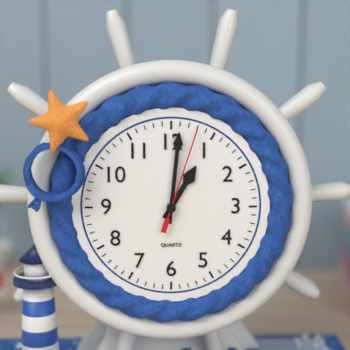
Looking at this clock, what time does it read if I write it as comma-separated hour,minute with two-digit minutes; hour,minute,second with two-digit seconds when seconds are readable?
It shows 1,01,03
